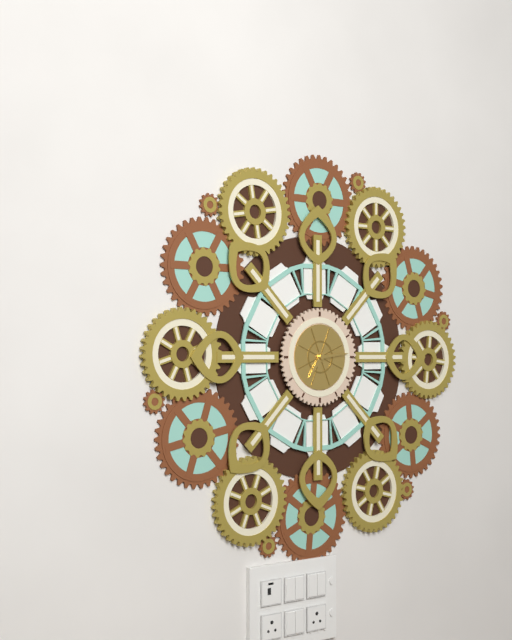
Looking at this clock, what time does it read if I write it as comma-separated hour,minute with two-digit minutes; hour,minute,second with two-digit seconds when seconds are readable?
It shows 7,14
